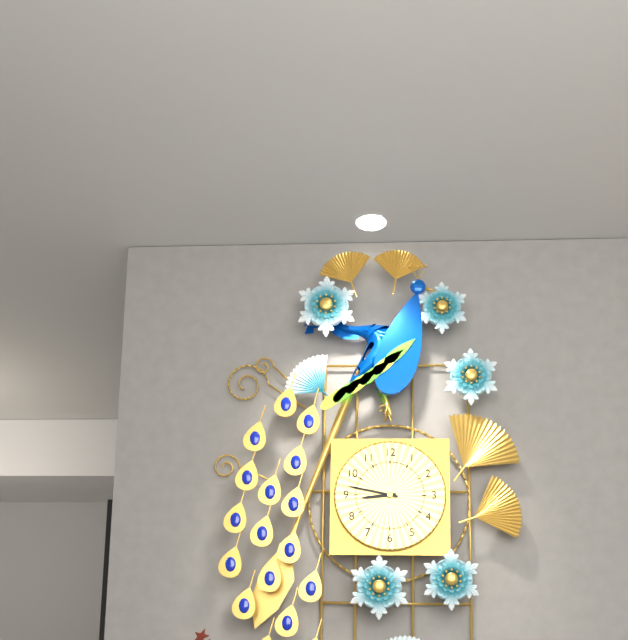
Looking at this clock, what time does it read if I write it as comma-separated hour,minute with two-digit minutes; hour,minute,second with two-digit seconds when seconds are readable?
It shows 8,47
